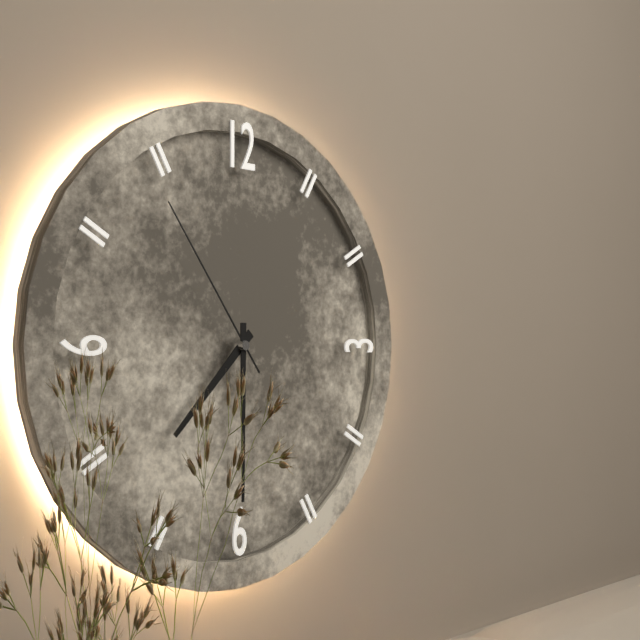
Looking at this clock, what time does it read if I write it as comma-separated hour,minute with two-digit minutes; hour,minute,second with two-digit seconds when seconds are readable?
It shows 7,30,54
